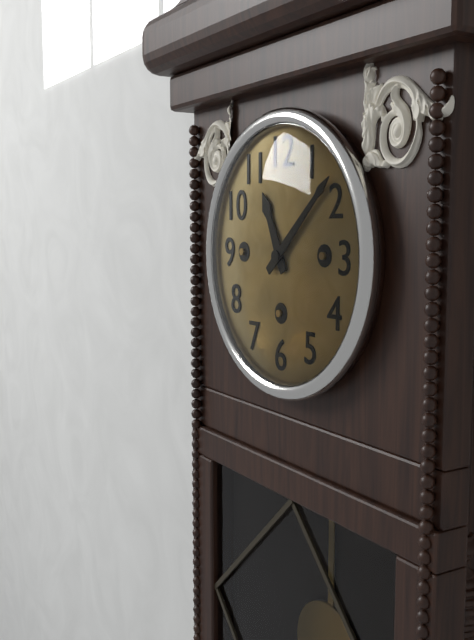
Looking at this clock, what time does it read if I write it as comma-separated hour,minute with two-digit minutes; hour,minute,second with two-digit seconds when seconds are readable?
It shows 11,08
